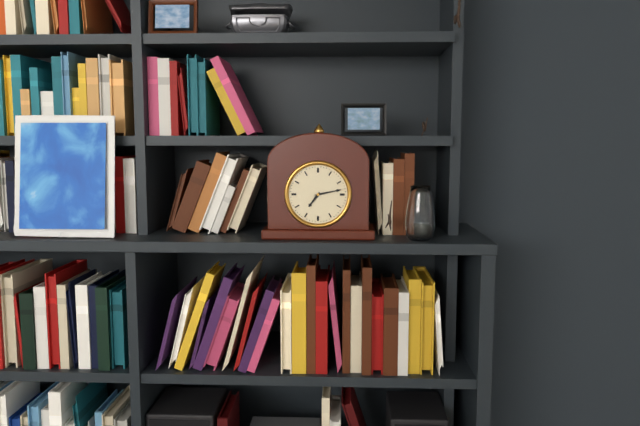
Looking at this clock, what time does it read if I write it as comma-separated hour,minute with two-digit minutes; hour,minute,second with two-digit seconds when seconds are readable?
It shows 7,13
